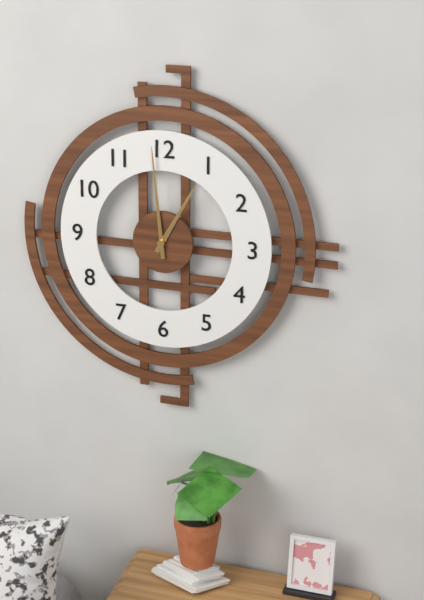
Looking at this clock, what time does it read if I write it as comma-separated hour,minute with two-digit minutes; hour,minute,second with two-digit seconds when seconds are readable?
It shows 12,59
